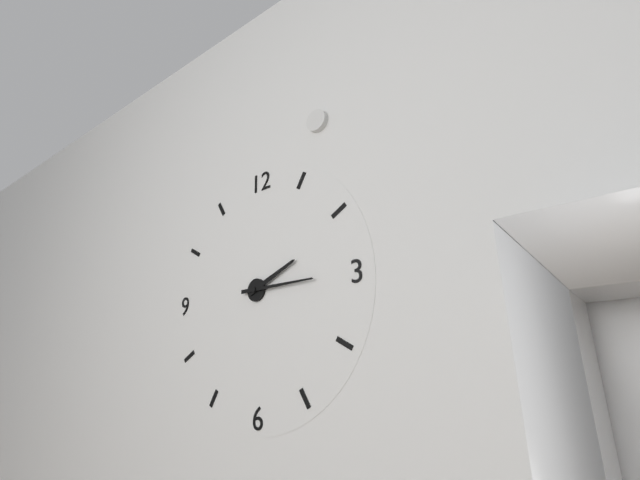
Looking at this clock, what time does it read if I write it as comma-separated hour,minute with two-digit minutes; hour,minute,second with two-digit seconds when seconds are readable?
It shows 2,15
